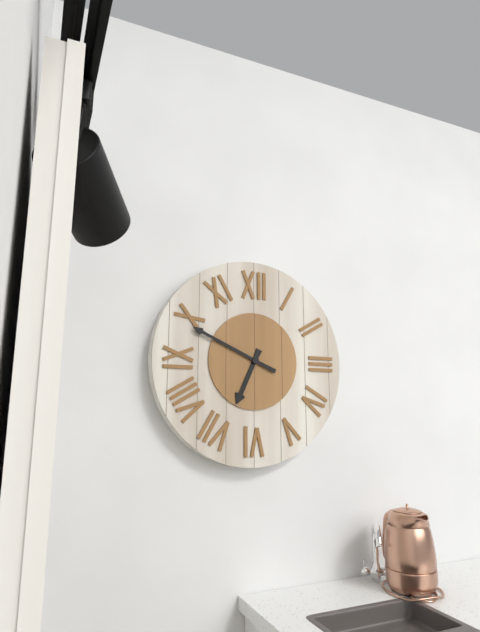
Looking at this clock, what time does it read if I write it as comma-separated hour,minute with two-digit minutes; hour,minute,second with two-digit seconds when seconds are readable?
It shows 6,49
